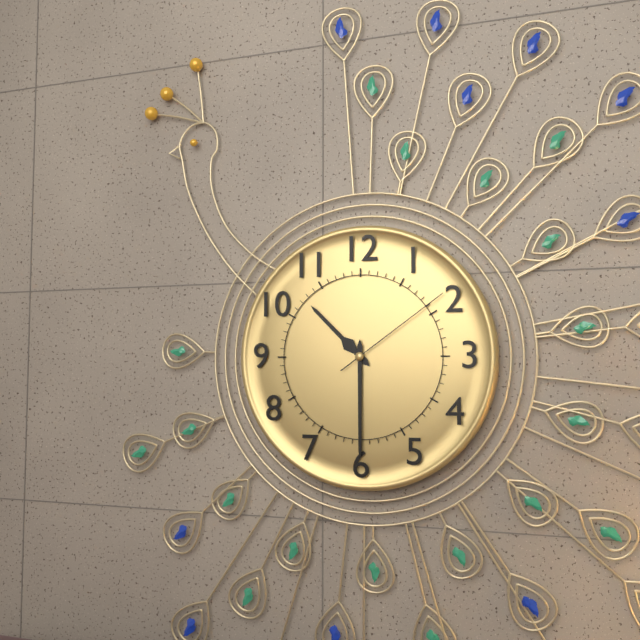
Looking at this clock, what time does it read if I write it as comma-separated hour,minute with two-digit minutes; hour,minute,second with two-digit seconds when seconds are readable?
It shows 10,30,09
